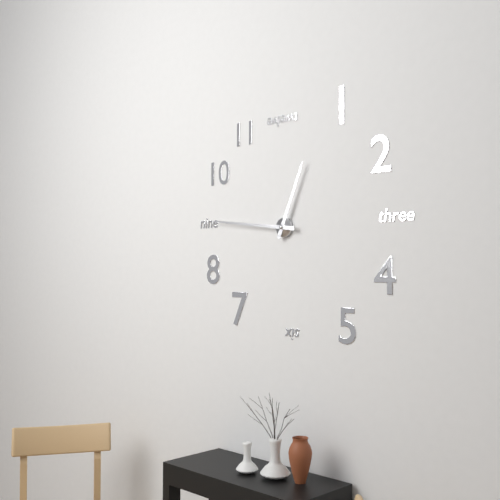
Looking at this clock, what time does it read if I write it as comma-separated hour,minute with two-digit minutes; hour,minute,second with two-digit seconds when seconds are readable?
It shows 12,46
